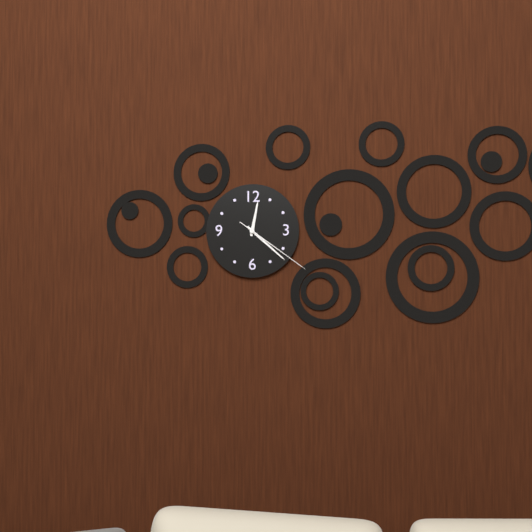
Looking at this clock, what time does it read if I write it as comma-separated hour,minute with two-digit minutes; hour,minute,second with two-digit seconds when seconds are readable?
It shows 12,22,21
